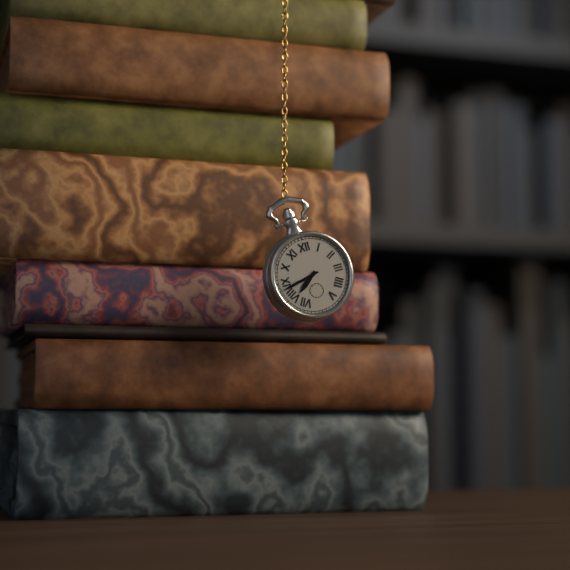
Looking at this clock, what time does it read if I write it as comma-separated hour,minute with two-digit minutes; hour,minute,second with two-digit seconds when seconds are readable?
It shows 7,43
